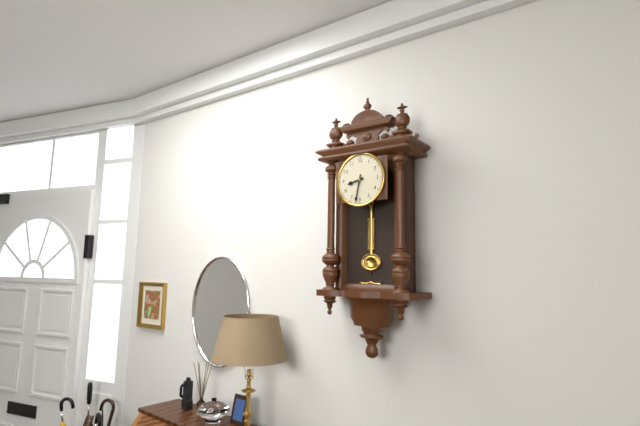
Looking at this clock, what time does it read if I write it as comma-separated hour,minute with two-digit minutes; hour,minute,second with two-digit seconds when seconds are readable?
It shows 8,32
